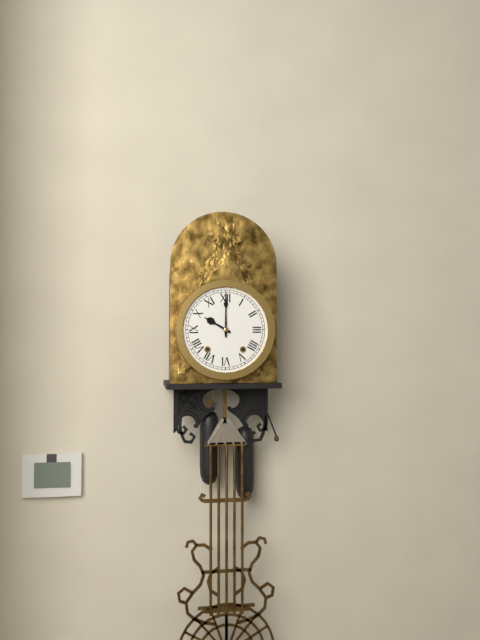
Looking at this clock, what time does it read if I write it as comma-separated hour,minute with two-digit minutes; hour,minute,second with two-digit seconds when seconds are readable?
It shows 10,00
